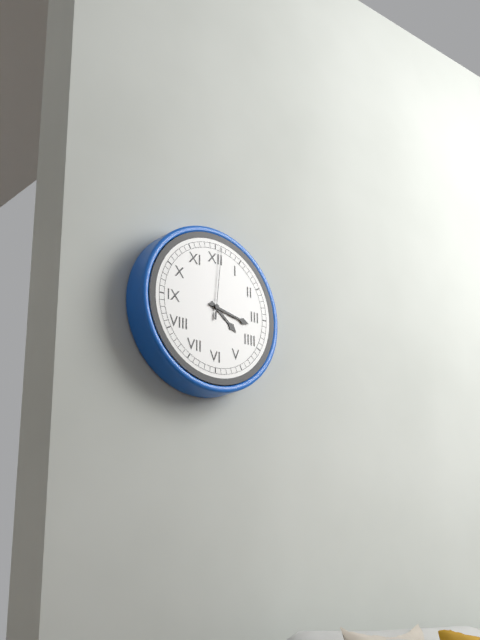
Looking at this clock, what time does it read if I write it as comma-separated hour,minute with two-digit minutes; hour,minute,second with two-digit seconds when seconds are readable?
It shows 4,17,01
